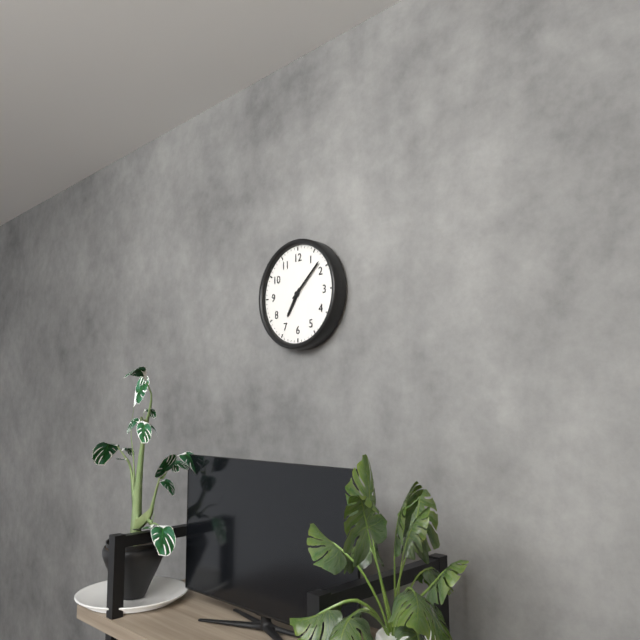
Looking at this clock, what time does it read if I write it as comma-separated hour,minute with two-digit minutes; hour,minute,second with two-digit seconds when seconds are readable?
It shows 7,08
